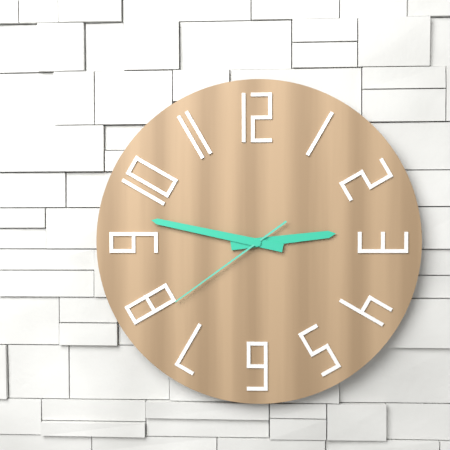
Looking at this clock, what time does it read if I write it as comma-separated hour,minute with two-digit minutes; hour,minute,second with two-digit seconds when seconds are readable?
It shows 2,47,39
